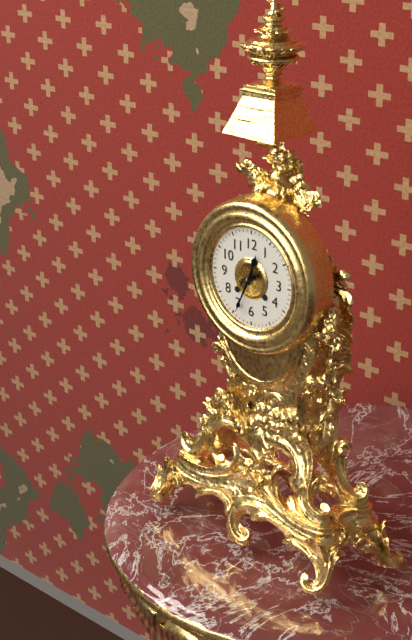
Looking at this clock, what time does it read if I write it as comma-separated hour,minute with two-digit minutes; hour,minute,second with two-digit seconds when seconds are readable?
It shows 12,34
